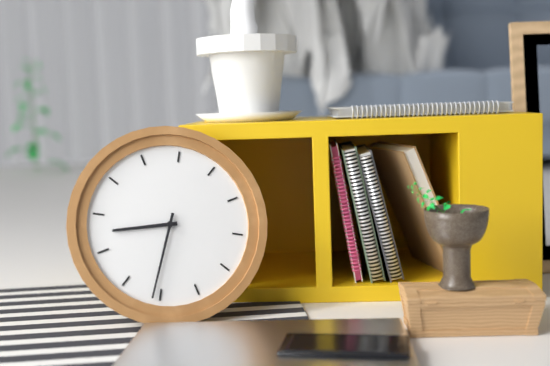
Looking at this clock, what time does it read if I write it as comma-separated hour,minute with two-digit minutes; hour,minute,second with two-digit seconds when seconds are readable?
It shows 8,31
